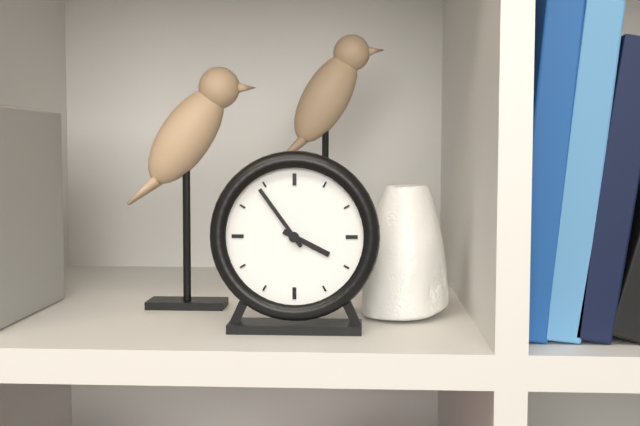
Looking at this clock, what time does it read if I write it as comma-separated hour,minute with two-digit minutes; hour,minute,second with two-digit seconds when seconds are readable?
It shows 3,54
